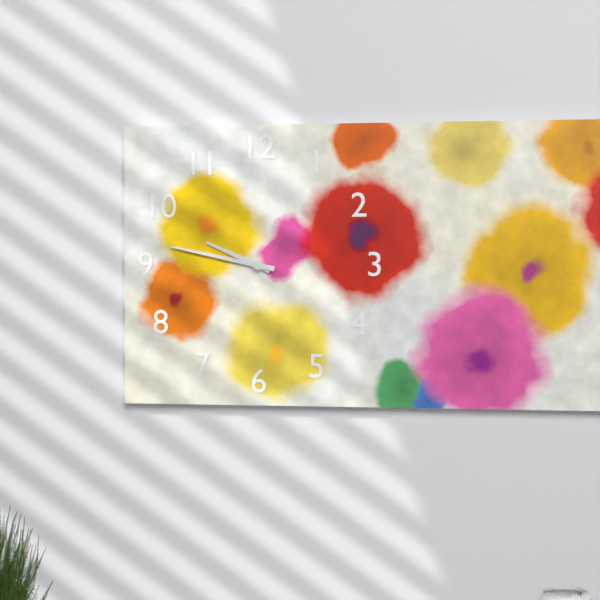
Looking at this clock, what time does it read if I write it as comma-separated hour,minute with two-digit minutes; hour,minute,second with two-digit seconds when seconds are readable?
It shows 9,47
